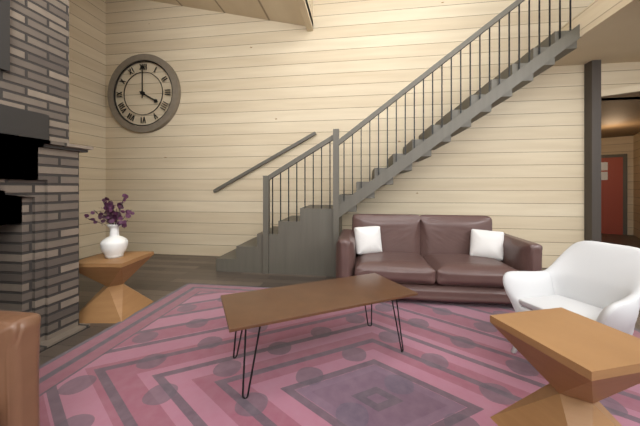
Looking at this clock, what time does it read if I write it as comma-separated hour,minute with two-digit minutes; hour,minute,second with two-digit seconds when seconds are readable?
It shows 4,00
